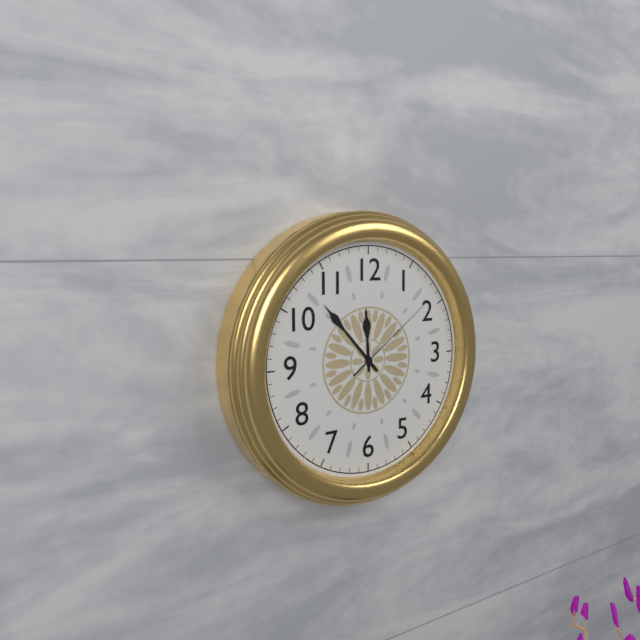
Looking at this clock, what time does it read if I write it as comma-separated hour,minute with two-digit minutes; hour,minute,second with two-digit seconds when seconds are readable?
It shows 11,53,09
